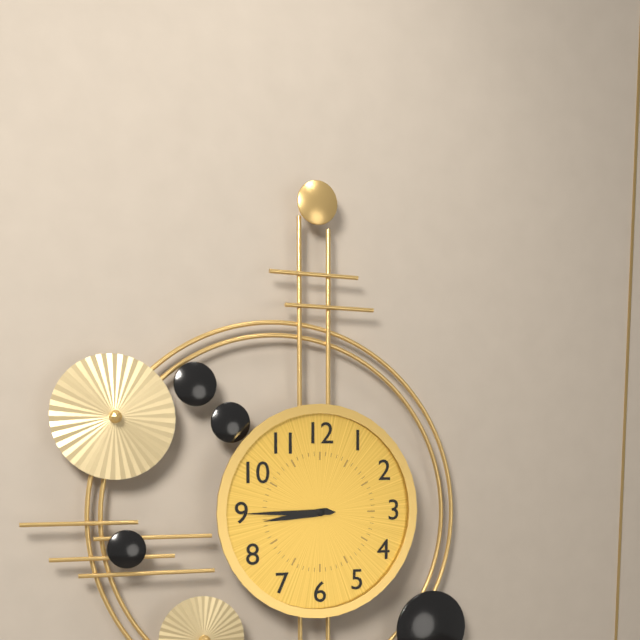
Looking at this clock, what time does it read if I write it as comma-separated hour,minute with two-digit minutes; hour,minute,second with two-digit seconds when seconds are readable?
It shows 8,45
